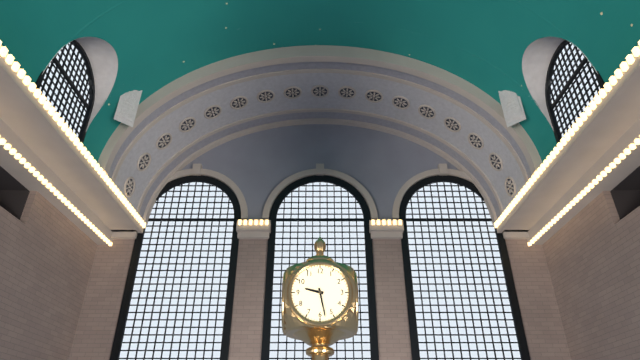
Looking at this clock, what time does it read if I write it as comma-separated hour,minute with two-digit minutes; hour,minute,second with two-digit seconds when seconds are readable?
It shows 9,28
